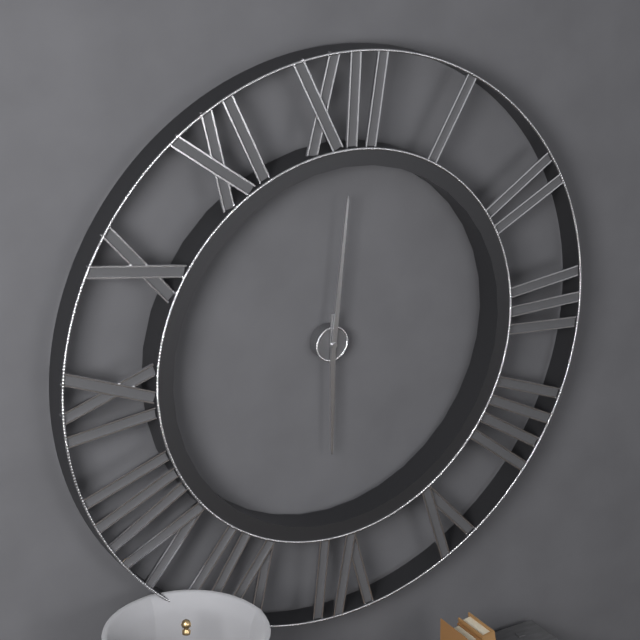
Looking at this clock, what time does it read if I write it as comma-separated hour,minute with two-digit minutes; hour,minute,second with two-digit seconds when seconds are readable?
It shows 6,01
